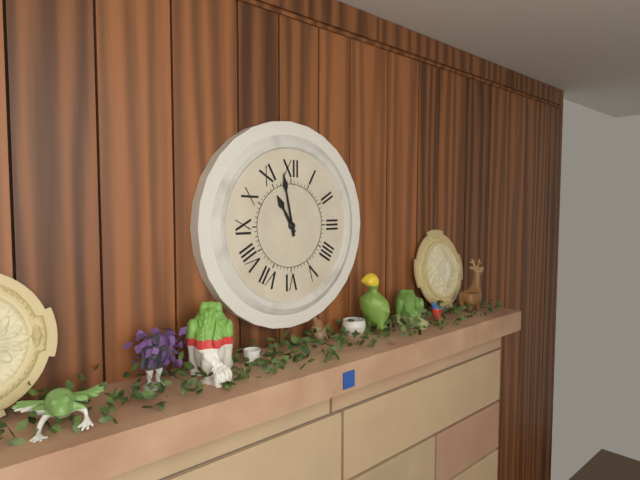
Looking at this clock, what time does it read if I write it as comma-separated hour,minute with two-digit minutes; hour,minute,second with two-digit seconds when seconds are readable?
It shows 10,58
